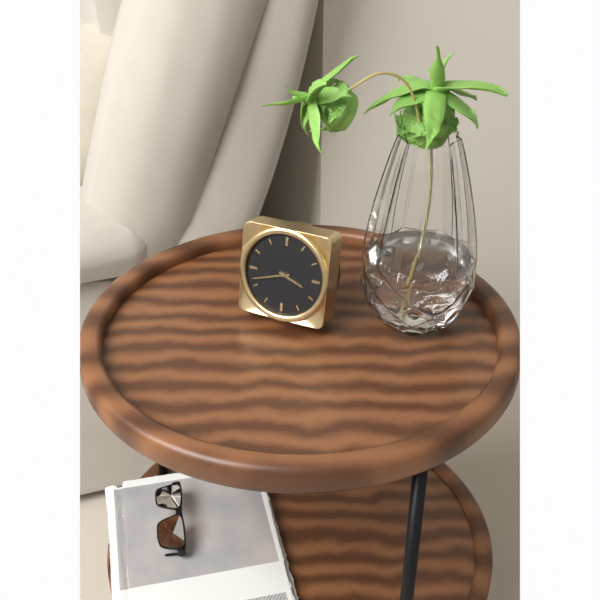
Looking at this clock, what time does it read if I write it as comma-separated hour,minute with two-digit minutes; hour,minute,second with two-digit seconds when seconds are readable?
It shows 3,42
